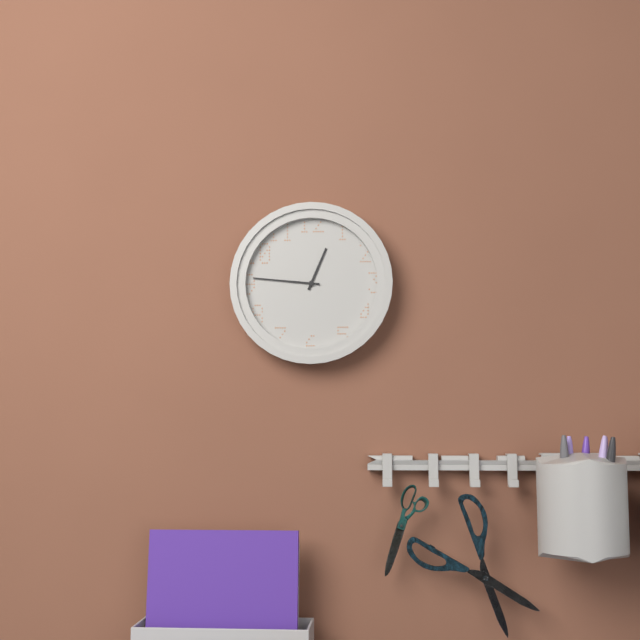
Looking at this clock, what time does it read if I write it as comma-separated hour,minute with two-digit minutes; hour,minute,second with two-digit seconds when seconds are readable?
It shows 12,46
